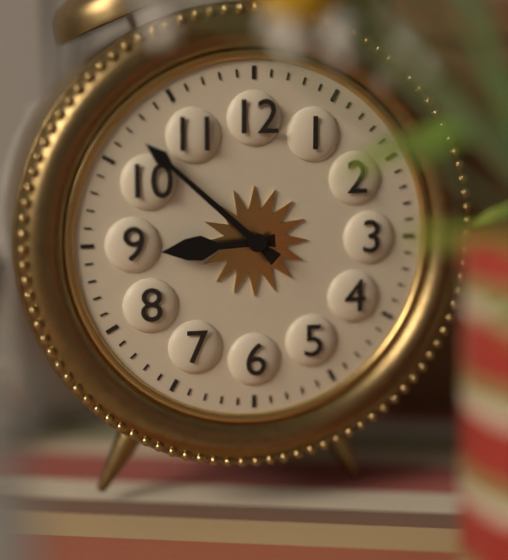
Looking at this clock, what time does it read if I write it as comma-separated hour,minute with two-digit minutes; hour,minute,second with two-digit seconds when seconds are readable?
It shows 8,52
